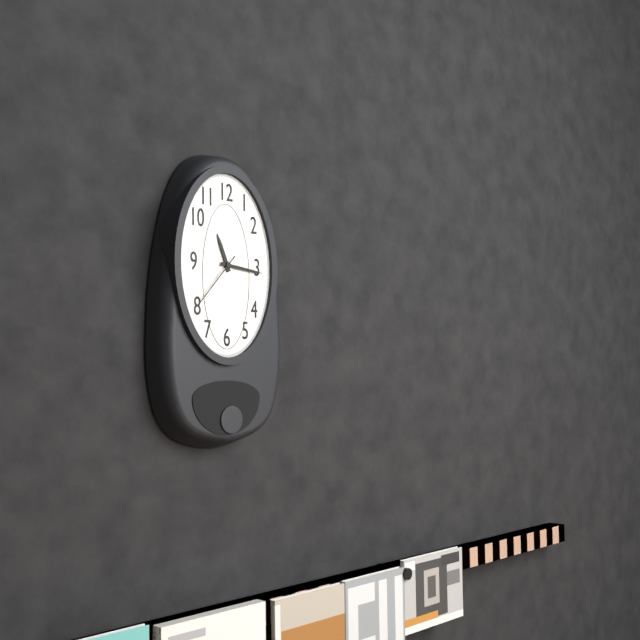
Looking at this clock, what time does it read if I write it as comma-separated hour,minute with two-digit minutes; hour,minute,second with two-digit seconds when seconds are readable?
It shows 11,16,37
